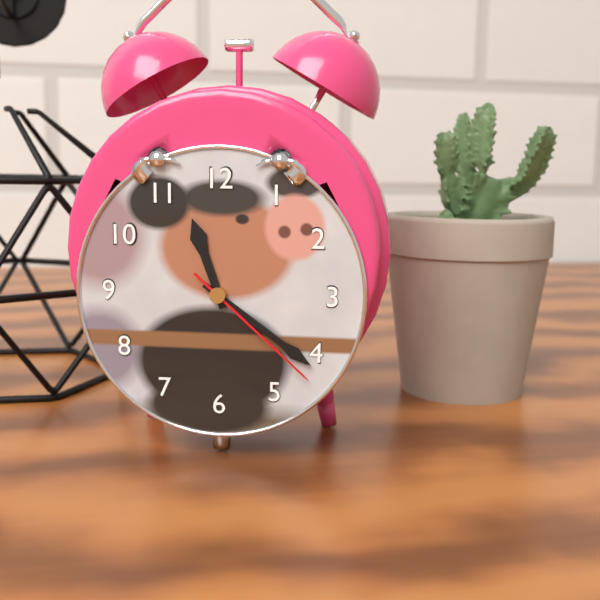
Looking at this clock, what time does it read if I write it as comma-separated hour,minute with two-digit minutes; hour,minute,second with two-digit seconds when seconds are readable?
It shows 11,21,22
